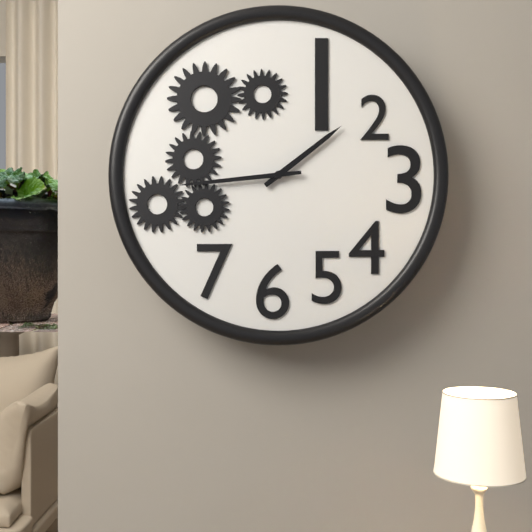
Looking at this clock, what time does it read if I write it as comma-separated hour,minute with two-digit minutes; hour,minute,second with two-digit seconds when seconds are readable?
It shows 1,44
